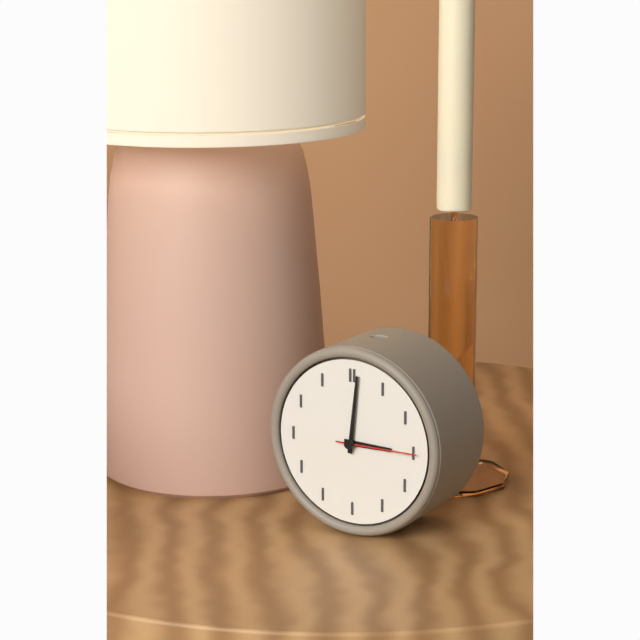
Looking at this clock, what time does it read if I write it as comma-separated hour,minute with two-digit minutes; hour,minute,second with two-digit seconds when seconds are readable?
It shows 3,01,15
